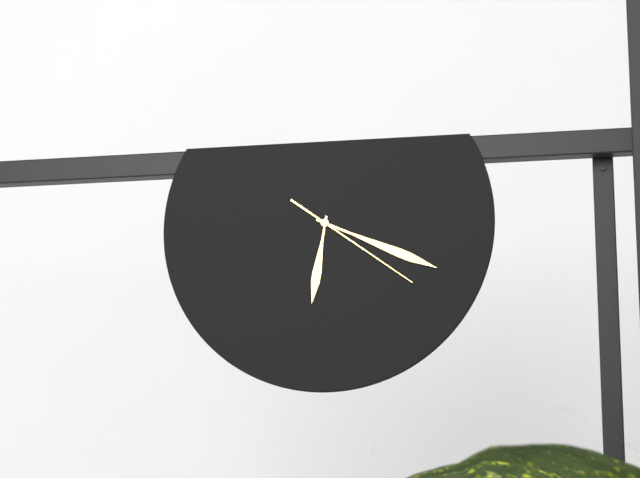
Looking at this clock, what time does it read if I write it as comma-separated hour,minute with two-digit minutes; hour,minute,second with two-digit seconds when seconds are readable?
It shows 6,19,21
